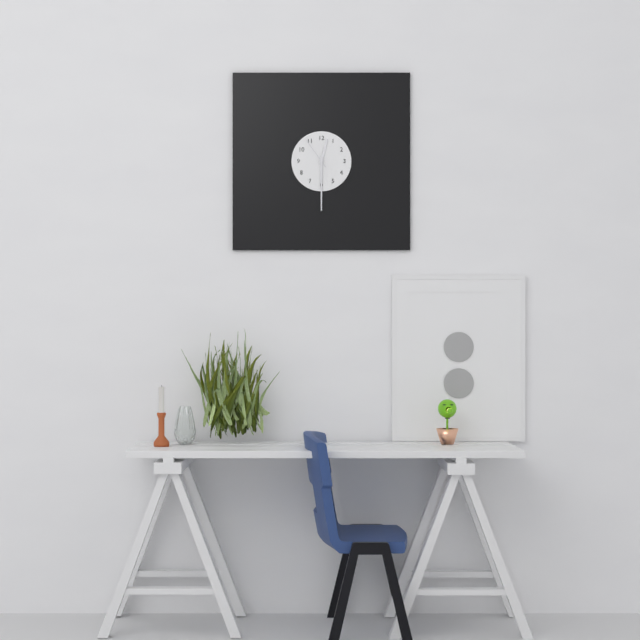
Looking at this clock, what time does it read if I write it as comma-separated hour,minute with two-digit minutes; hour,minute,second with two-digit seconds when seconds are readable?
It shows 12,30
